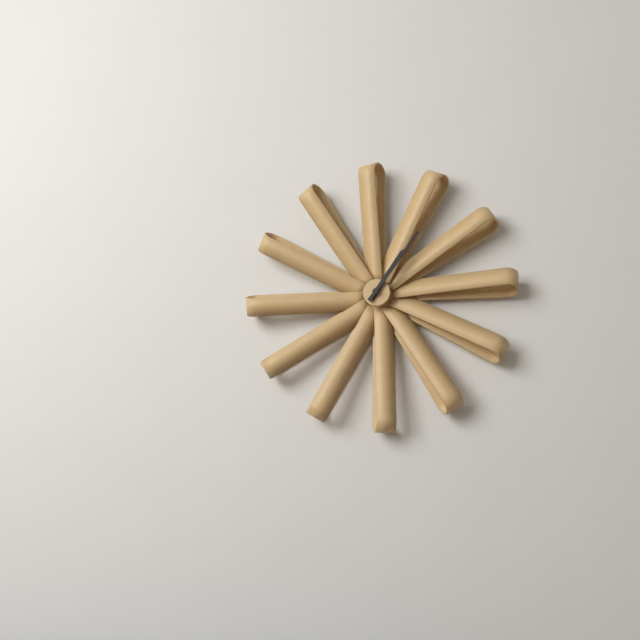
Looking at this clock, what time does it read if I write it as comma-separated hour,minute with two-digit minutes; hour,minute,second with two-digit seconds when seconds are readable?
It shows 1,06
